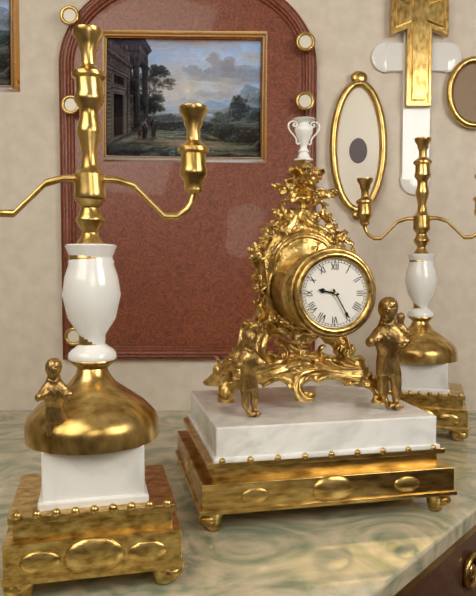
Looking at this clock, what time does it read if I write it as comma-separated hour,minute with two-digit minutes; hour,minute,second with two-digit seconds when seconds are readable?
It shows 9,25
